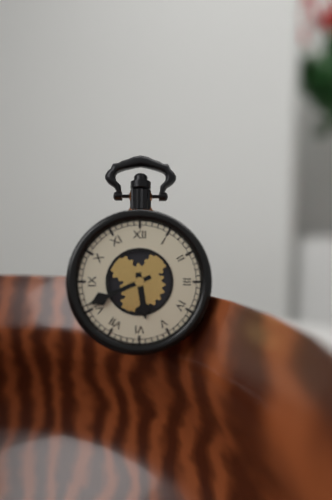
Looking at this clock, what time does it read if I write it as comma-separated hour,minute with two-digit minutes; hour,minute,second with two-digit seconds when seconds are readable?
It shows 5,41
